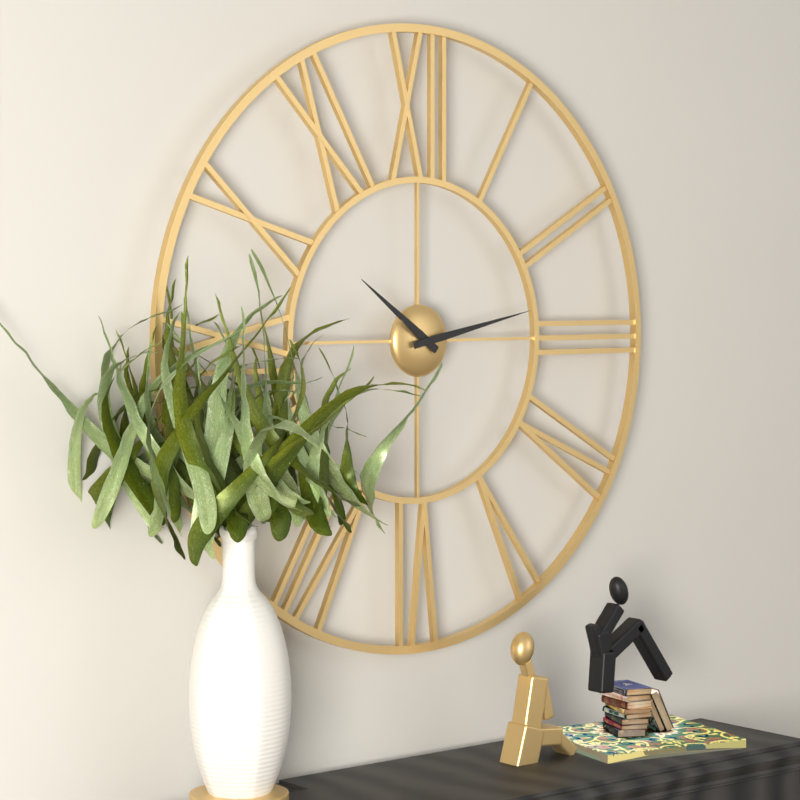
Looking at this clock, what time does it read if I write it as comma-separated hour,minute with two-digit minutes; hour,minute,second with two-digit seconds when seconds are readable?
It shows 10,13
